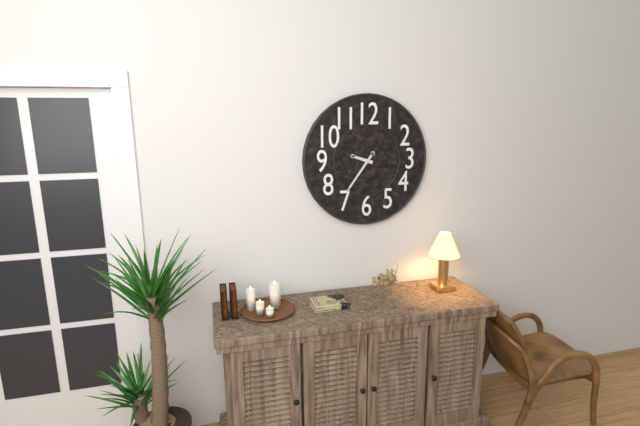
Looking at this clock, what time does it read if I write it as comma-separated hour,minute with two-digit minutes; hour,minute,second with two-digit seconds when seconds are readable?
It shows 9,36
